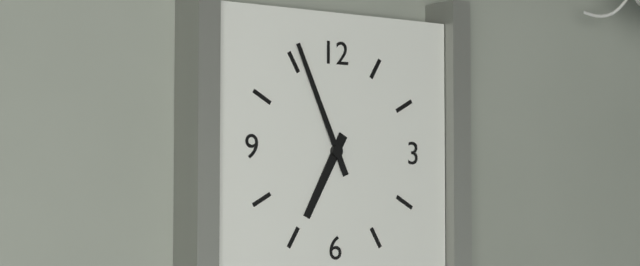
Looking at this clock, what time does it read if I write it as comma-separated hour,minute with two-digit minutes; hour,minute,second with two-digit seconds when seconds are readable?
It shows 6,56
